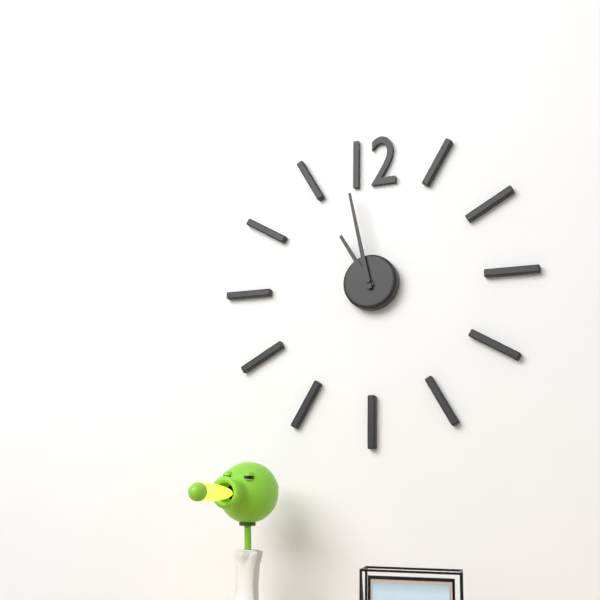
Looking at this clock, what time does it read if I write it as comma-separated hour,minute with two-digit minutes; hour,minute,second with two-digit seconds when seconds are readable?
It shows 10,58
